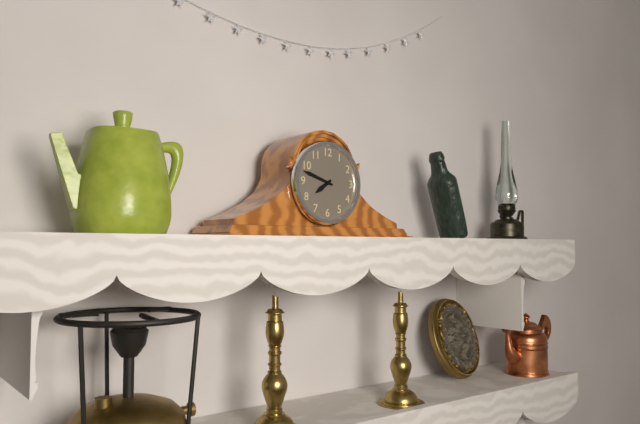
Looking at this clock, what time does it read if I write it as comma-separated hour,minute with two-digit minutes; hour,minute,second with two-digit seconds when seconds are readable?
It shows 7,48
